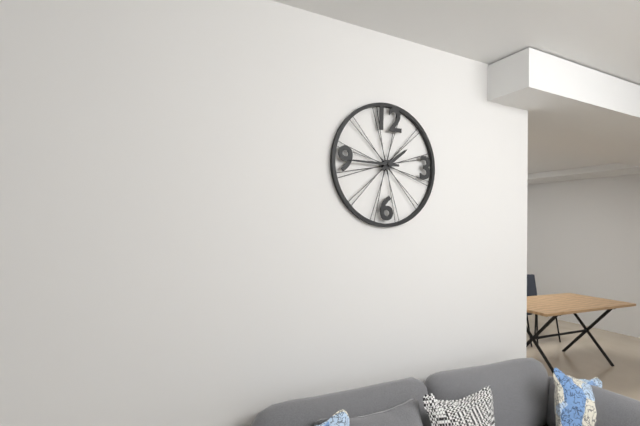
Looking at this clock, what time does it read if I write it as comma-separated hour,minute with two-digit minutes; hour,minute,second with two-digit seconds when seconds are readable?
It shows 1,45
